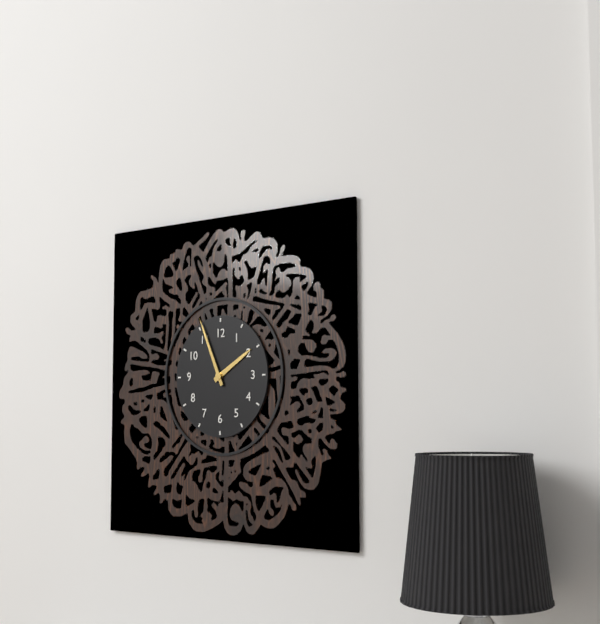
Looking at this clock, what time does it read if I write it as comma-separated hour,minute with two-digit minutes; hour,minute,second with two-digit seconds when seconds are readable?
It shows 1,56
